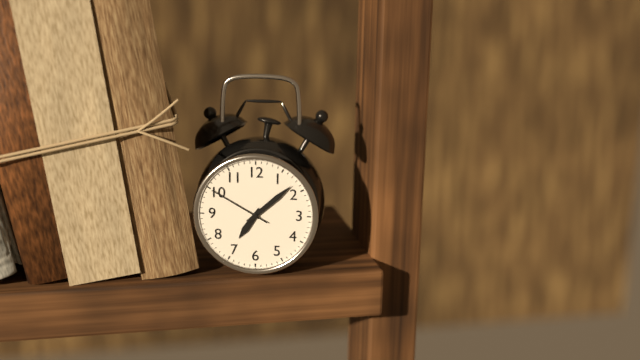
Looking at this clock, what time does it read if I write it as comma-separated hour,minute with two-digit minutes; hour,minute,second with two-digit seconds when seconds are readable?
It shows 7,08,50
